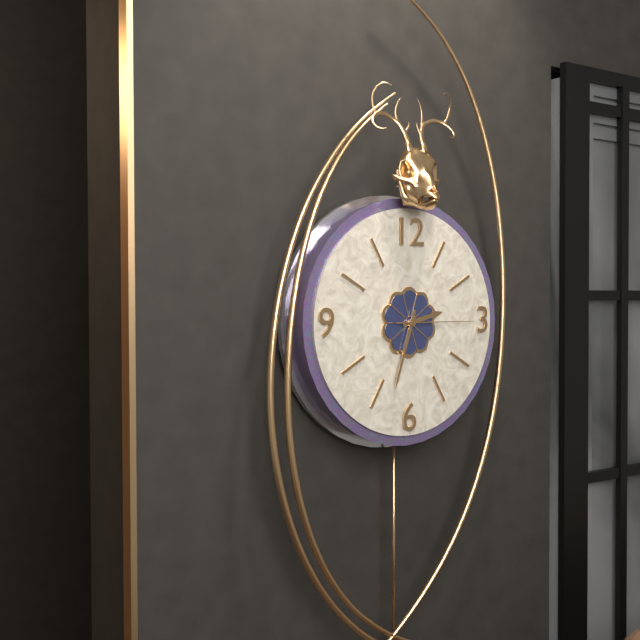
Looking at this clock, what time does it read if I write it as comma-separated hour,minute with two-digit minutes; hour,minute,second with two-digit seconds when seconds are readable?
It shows 2,33,15
